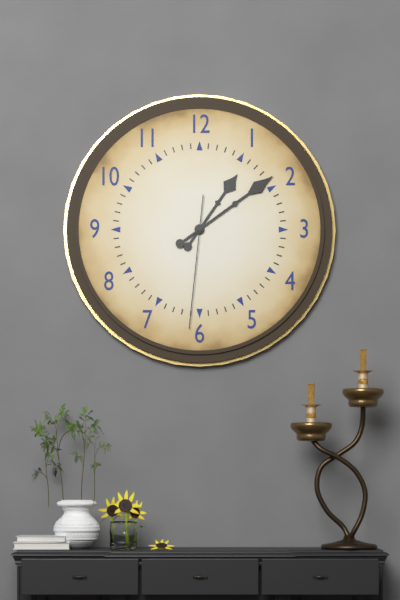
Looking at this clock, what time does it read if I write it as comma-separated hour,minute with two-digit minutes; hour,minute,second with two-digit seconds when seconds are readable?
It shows 1,09,31
